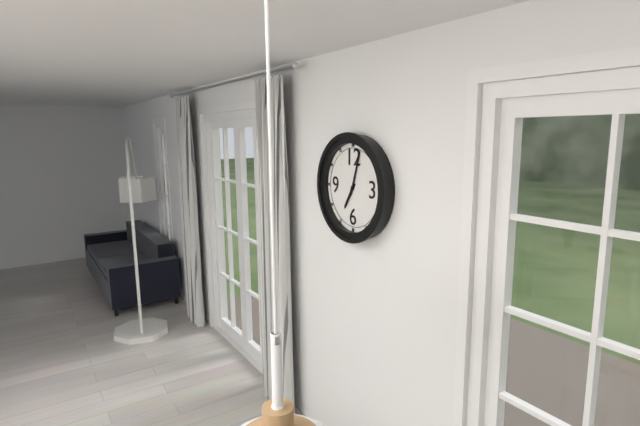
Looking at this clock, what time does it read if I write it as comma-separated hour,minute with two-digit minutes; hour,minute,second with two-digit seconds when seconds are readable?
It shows 7,03
